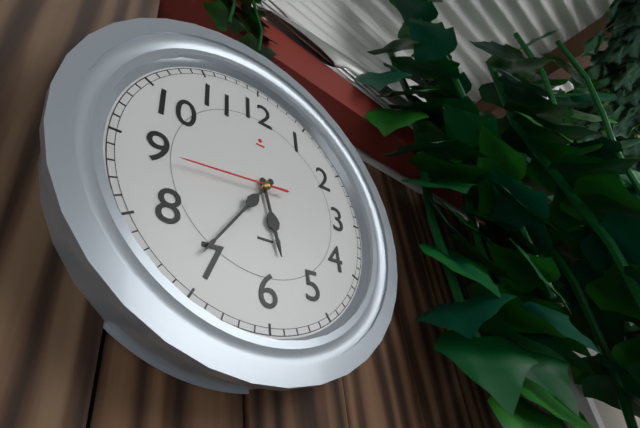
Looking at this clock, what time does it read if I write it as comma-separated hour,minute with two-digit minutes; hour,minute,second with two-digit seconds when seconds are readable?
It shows 5,36,44
